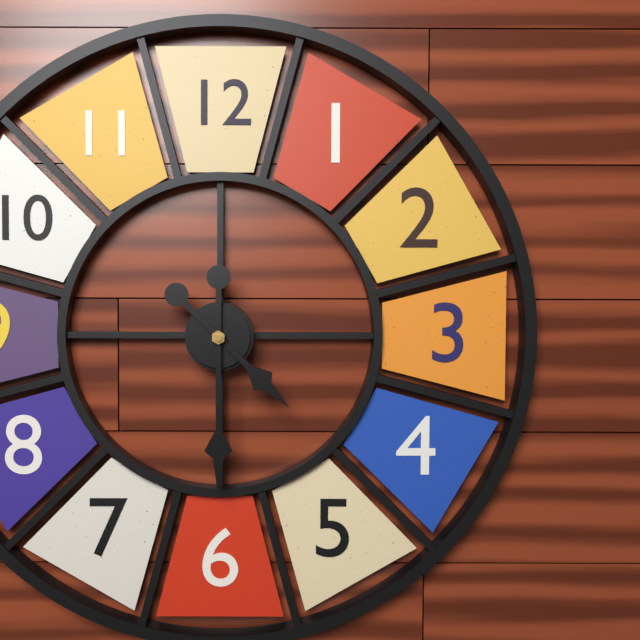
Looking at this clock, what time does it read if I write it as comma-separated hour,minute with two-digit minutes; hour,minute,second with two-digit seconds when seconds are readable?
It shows 4,30
